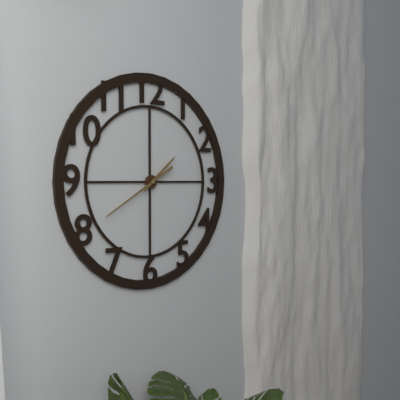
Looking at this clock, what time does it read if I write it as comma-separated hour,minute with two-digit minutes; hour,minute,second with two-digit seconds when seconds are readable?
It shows 1,40
